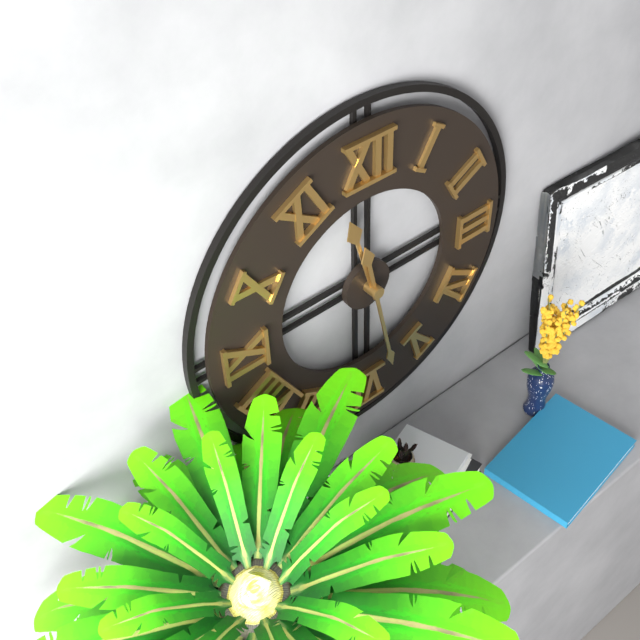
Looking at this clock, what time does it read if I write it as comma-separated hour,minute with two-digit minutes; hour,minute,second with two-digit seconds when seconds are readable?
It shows 11,28
